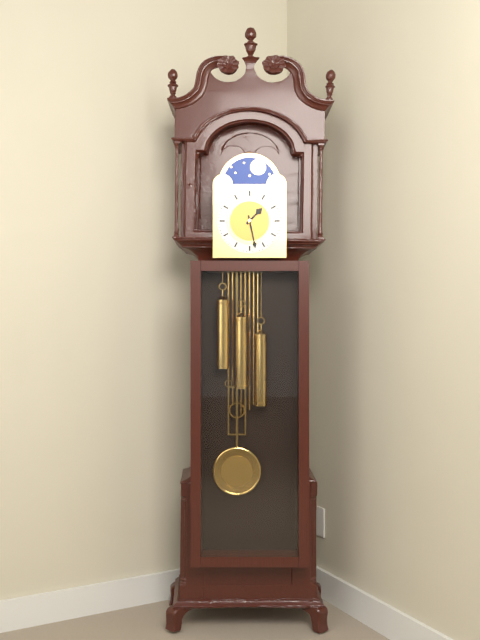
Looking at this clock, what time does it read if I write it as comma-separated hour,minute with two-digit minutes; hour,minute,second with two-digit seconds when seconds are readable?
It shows 1,28
